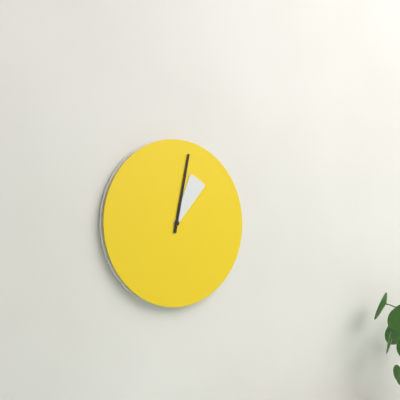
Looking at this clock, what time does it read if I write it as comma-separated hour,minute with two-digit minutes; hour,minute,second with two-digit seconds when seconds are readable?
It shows 1,02
